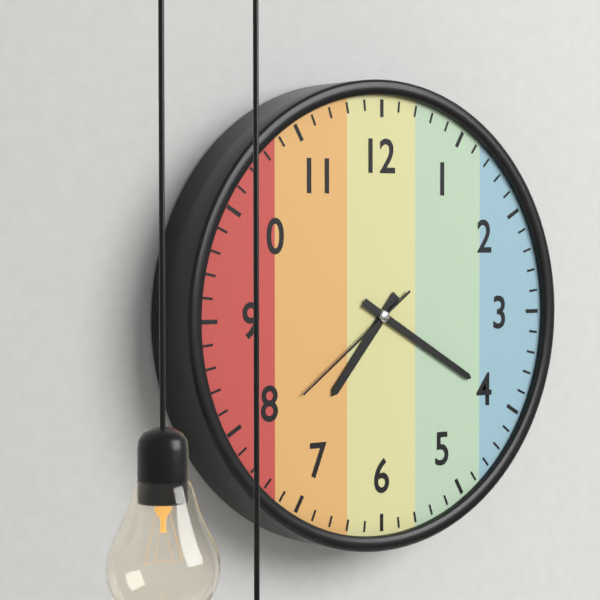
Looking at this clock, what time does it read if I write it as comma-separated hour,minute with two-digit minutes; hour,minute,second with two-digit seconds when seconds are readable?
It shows 7,20,39
